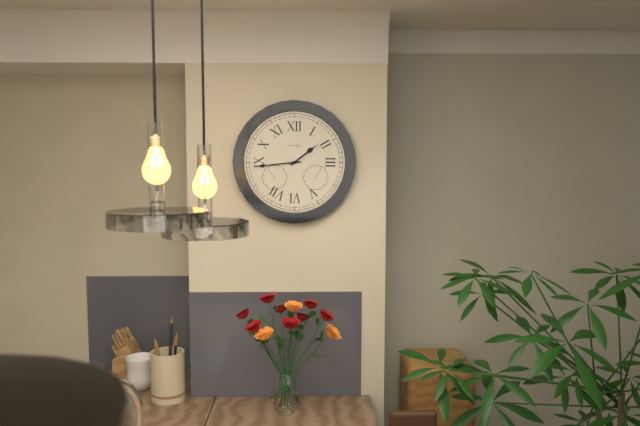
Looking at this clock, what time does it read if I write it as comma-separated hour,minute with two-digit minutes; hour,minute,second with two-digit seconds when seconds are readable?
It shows 1,44
